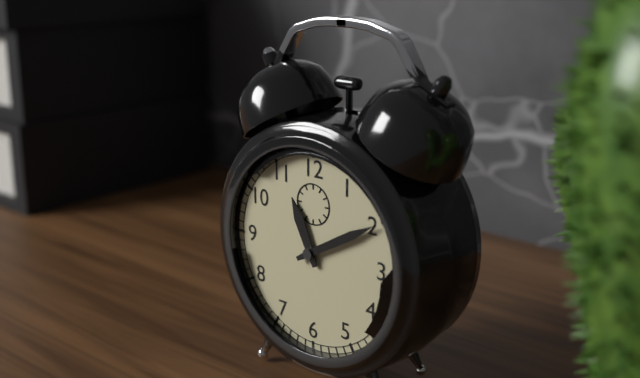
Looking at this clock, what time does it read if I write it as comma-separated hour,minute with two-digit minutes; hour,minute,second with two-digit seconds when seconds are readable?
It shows 11,10
